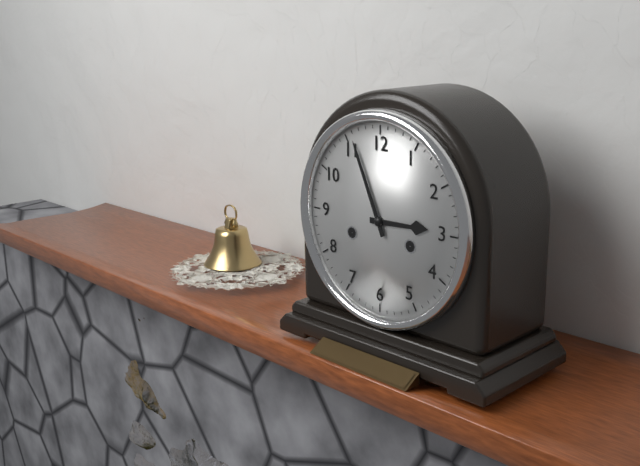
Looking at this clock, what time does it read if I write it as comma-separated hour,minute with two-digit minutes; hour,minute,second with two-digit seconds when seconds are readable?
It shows 2,56
